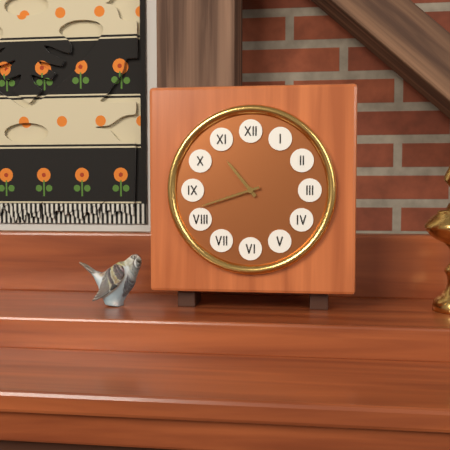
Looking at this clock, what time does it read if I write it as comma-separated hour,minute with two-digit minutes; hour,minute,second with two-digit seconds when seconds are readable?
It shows 10,42
